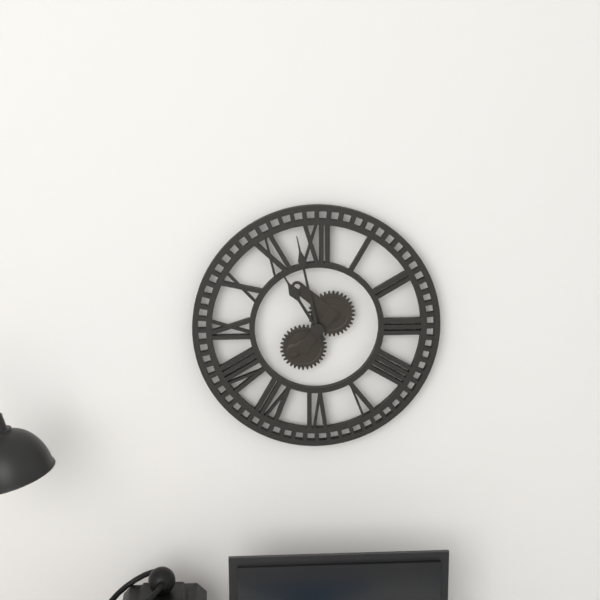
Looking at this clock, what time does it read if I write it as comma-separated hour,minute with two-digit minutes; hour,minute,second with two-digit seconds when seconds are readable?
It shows 10,58
